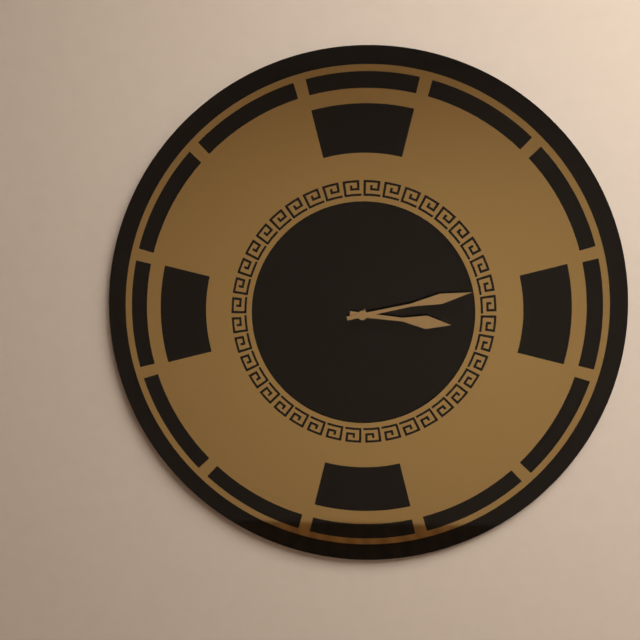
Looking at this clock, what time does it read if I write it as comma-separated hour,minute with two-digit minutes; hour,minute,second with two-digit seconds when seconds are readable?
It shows 3,13
